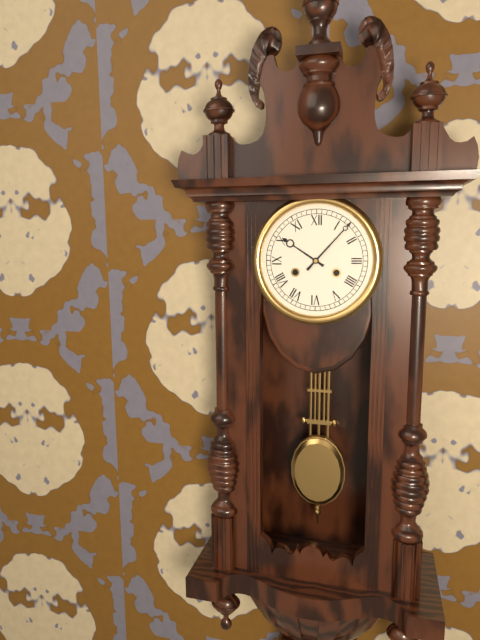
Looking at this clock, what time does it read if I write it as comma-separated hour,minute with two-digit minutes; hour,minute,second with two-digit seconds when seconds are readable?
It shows 10,07
